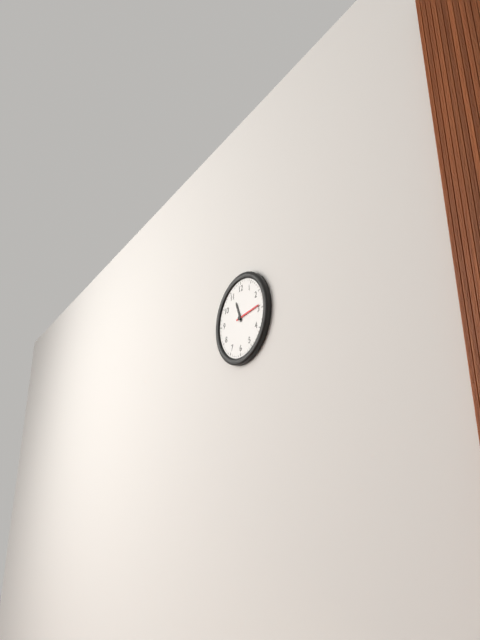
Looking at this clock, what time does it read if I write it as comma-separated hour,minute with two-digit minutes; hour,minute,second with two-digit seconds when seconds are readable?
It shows 11,14
